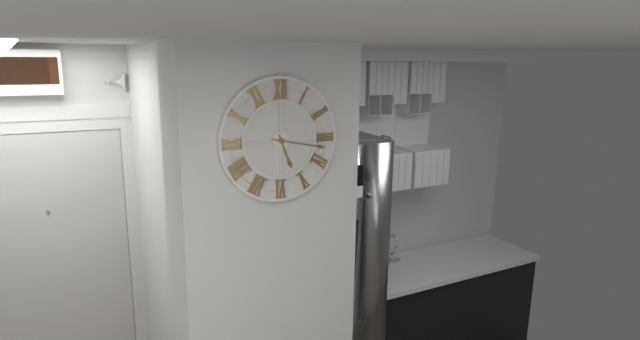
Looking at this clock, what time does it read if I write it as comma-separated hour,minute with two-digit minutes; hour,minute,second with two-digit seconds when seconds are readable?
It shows 5,17
